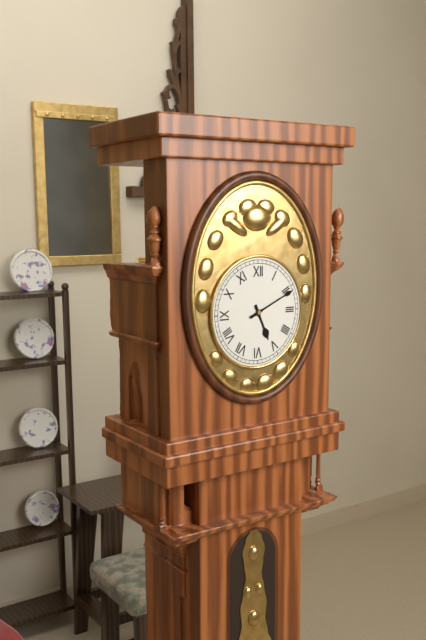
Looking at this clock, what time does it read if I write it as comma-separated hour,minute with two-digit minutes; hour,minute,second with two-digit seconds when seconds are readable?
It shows 5,11
